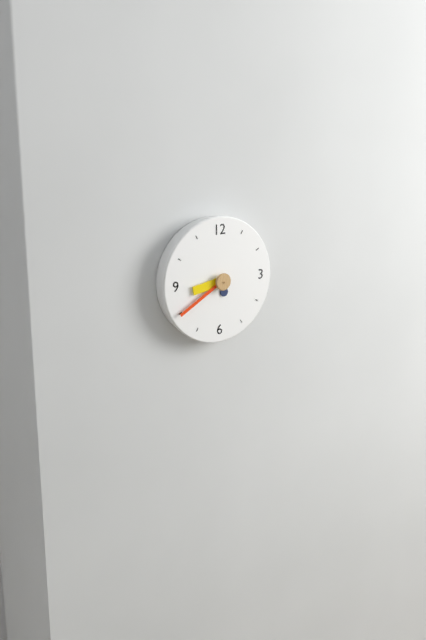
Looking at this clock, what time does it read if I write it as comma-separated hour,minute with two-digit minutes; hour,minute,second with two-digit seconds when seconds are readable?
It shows 8,40
